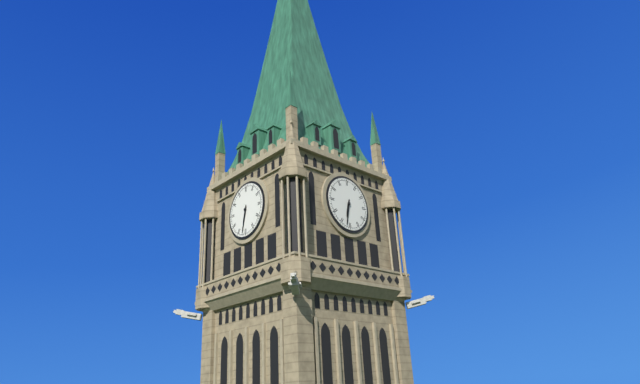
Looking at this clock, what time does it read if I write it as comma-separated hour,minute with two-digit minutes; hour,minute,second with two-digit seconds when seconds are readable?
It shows 6,32
